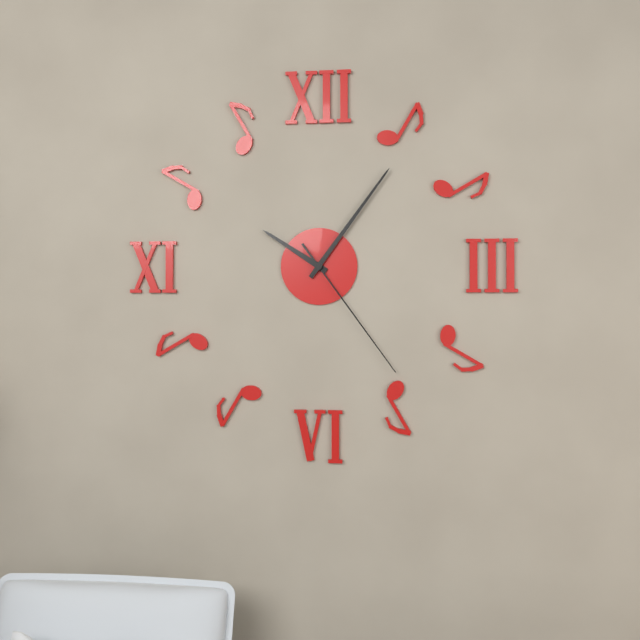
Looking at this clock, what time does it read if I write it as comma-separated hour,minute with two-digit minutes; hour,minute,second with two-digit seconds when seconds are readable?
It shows 10,06,24
